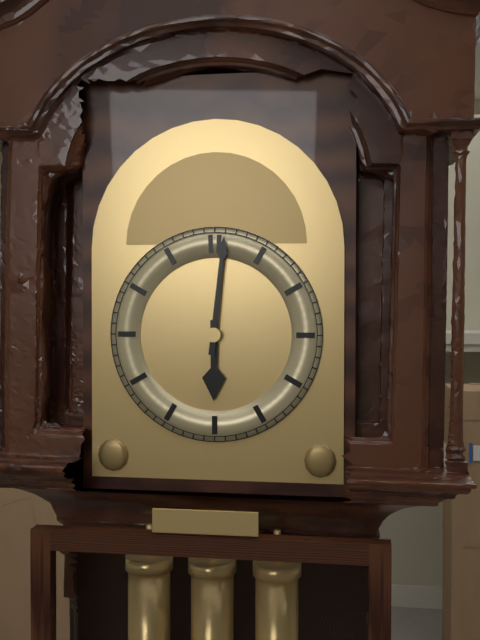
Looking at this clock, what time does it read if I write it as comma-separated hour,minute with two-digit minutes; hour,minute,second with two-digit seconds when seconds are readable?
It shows 6,01
